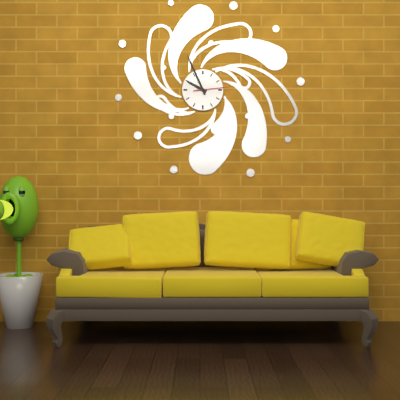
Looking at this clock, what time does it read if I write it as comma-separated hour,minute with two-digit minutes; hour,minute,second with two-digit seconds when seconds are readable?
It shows 9,56
